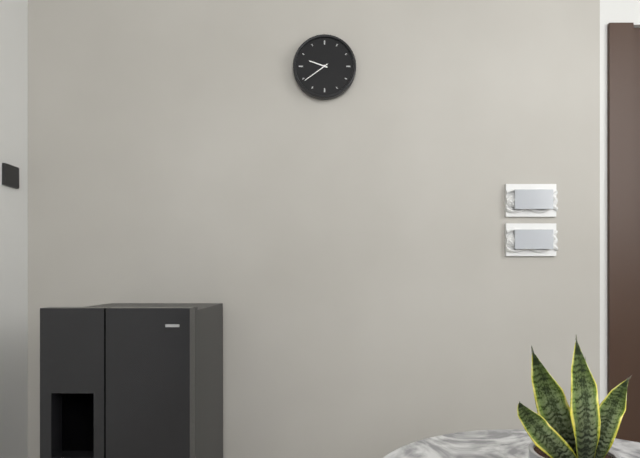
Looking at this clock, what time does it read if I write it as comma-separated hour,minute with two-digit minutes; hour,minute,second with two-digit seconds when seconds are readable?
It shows 9,39
